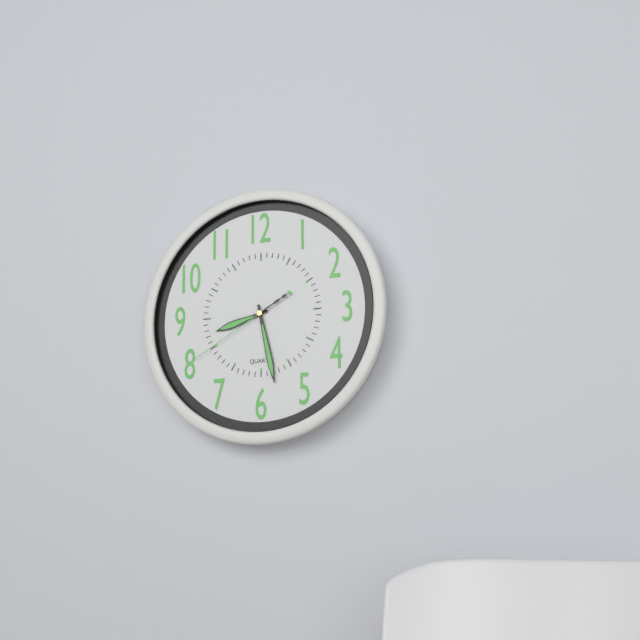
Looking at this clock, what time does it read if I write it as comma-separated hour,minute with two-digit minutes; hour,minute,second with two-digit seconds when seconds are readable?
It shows 8,28,40
